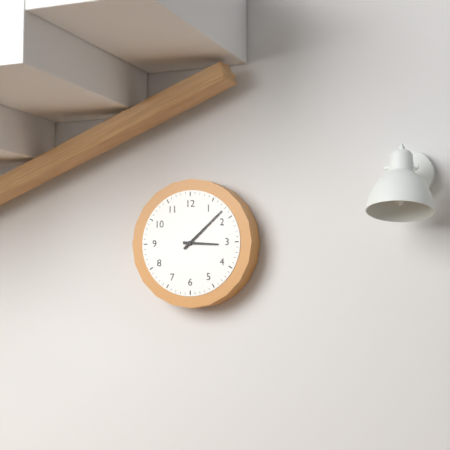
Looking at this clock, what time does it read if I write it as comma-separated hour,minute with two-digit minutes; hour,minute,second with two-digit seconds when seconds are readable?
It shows 3,08
